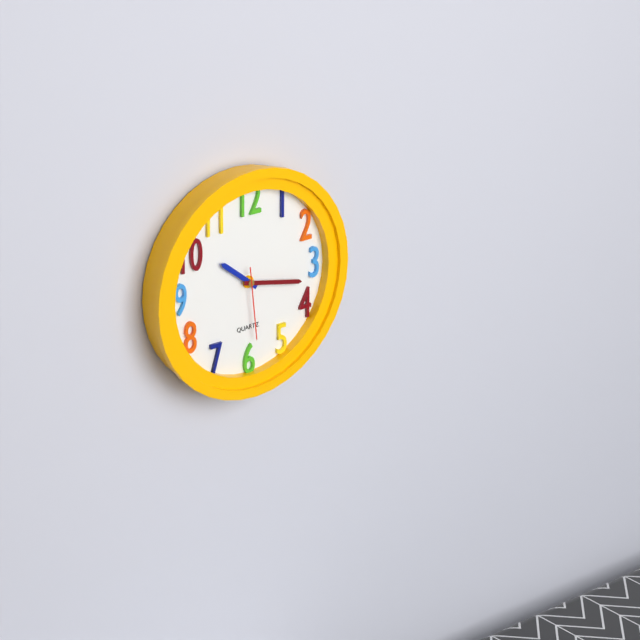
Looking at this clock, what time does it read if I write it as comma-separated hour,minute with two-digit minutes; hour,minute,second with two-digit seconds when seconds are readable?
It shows 10,17,29
